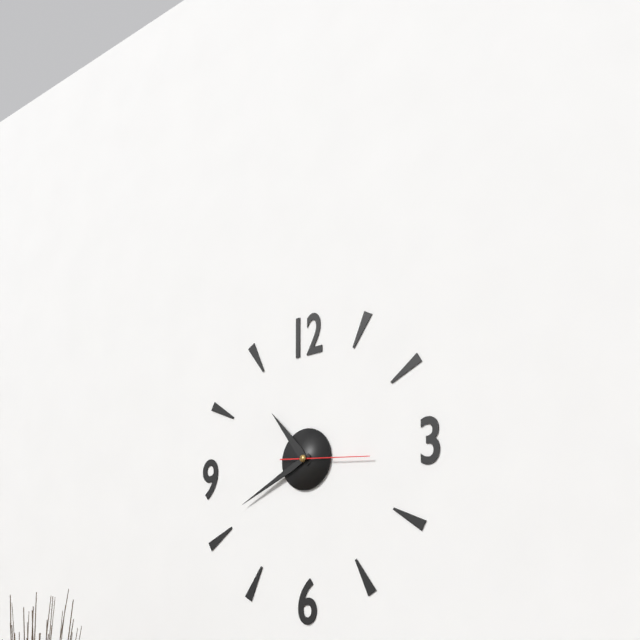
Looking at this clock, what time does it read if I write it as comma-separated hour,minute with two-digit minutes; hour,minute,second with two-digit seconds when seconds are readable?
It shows 10,41,16
